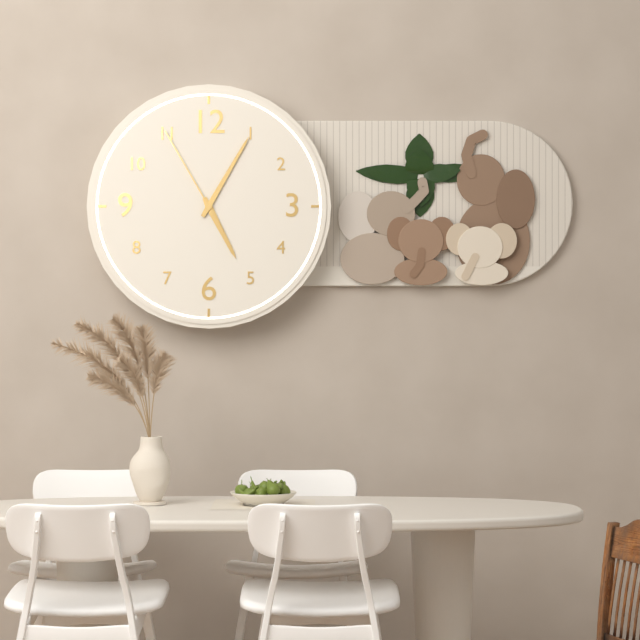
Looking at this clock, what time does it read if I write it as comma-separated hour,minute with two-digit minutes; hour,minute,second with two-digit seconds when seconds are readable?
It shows 5,05,55
